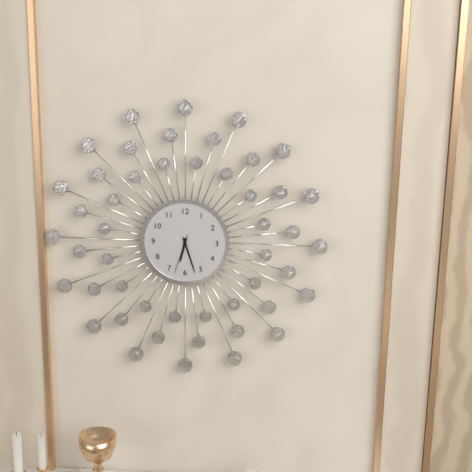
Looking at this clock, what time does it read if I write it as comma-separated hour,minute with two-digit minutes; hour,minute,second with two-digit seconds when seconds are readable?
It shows 6,27
